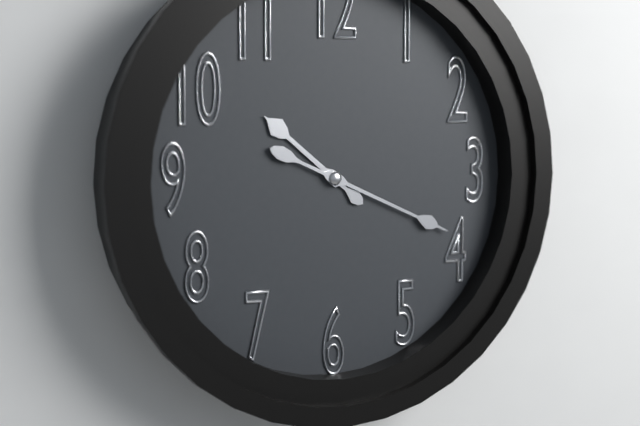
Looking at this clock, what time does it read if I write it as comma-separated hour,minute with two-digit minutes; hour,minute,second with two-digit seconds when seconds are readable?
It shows 10,19
